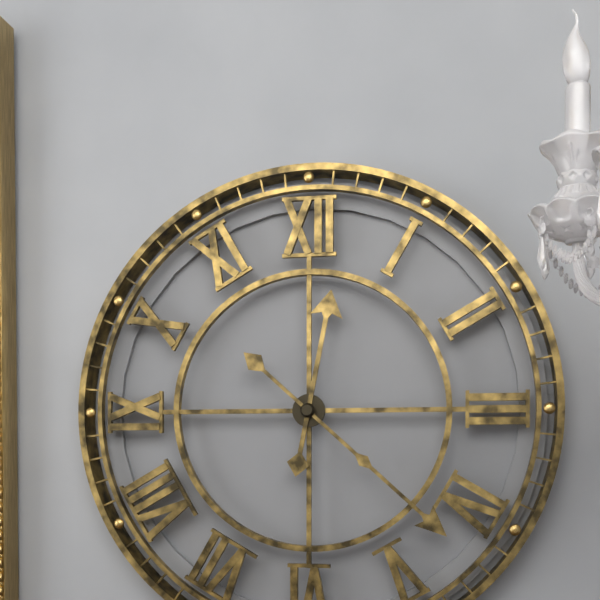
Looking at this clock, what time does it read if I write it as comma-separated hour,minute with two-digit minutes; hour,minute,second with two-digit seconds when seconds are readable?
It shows 12,22
